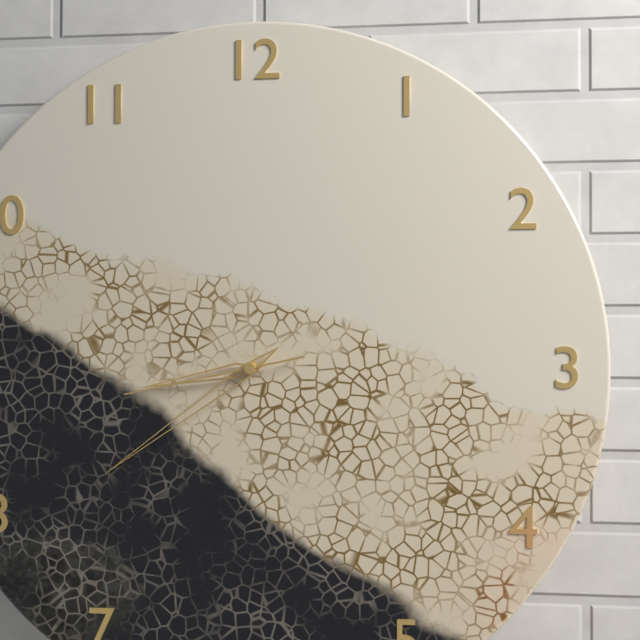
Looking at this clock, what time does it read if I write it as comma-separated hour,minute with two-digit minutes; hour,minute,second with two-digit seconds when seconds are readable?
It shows 8,39,43
